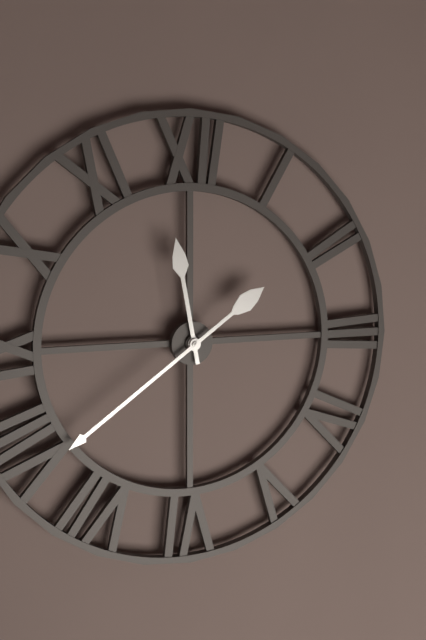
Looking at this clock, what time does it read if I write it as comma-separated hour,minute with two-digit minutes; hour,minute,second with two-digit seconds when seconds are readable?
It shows 11,39
